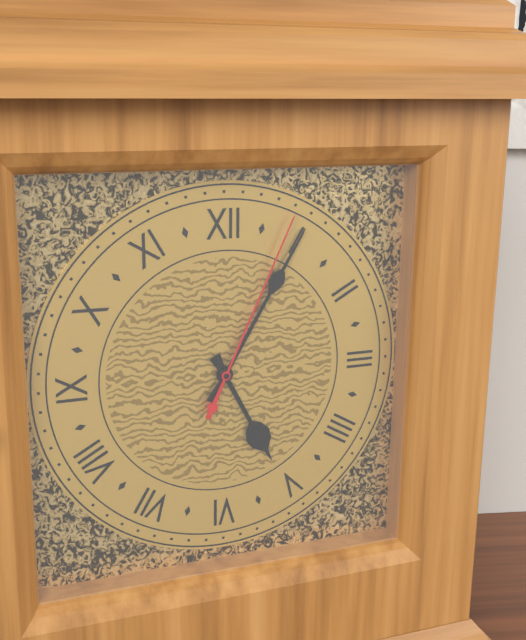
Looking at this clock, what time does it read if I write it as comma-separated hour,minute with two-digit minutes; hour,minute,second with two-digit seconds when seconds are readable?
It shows 5,05,04
